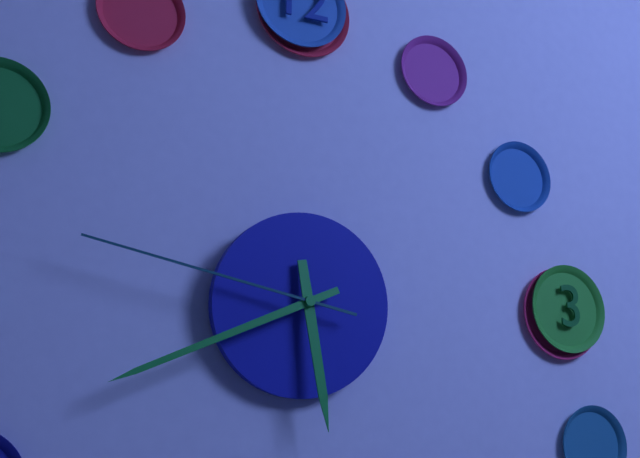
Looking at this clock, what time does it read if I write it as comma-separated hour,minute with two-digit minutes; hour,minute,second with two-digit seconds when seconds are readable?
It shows 5,41,47
